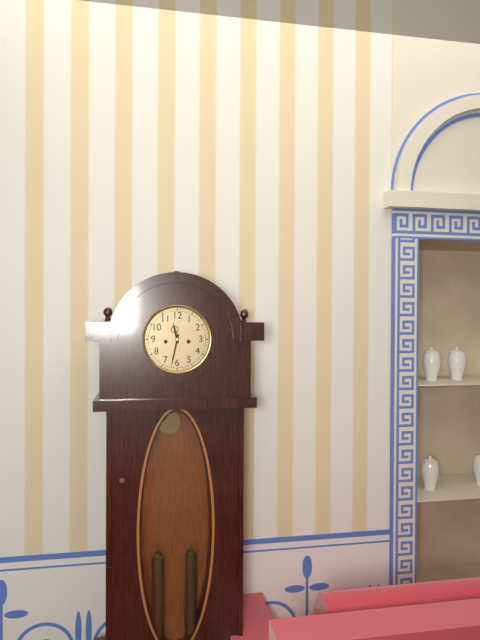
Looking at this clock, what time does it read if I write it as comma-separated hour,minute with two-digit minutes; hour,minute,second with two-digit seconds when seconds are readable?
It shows 11,32
